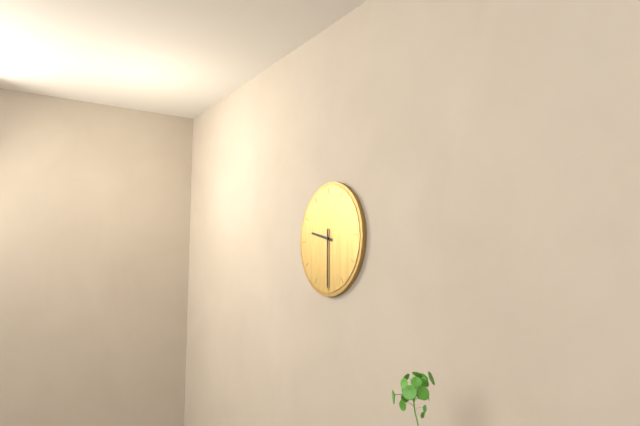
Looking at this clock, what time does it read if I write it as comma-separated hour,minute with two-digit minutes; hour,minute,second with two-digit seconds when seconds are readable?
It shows 9,30
